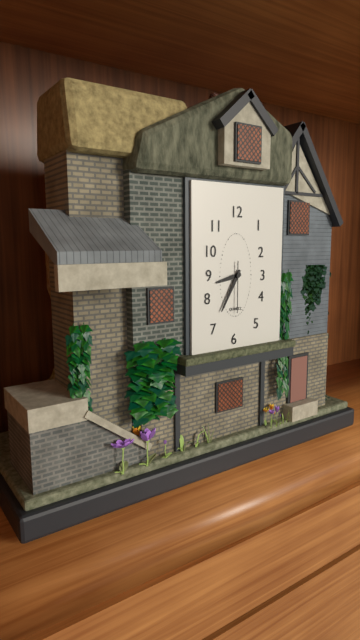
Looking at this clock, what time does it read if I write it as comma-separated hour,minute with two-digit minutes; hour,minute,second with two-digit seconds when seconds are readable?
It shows 8,35
